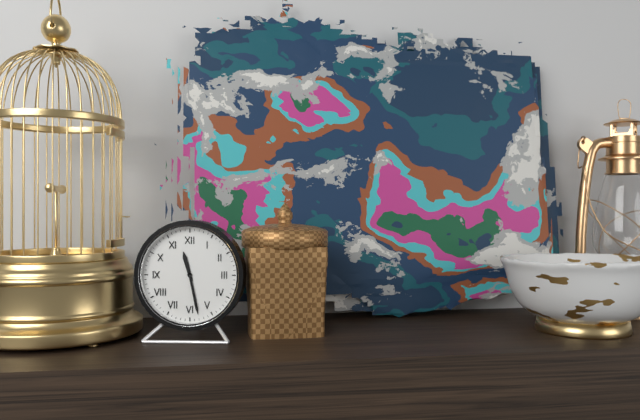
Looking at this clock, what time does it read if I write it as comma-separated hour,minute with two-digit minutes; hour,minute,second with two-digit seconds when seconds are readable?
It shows 11,28
